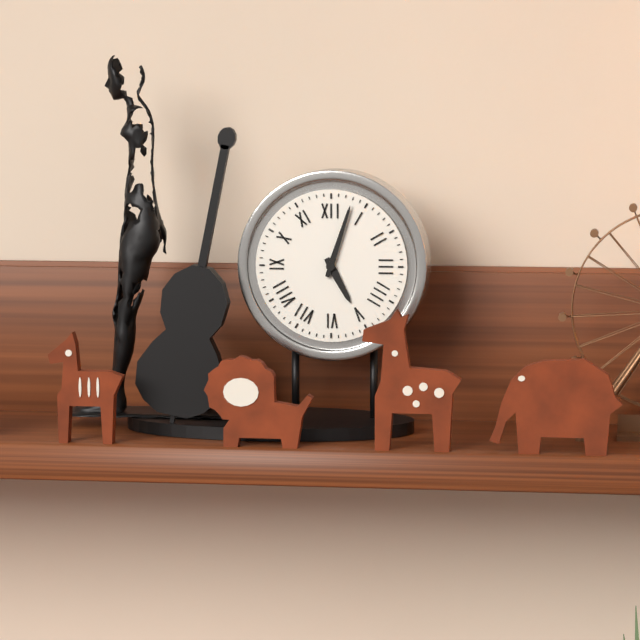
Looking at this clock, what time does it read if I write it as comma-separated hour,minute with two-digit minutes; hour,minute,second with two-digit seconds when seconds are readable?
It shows 5,03
